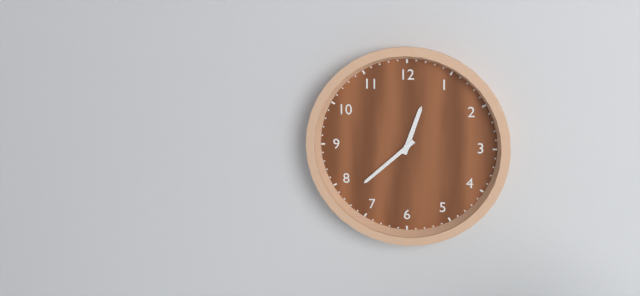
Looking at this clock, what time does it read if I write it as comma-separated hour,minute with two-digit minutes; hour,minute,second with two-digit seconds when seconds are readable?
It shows 12,38
